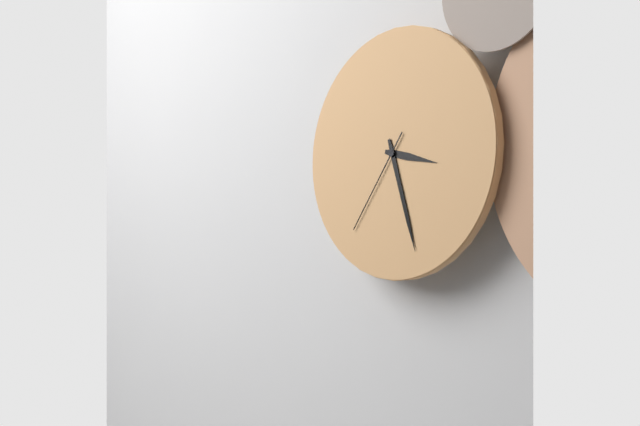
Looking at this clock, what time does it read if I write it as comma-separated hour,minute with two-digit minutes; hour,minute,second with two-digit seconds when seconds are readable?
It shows 3,27,36
